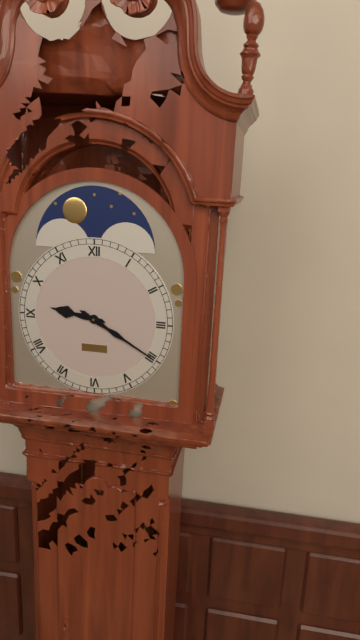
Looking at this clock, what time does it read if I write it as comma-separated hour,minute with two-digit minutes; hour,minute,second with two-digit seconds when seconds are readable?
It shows 9,20
